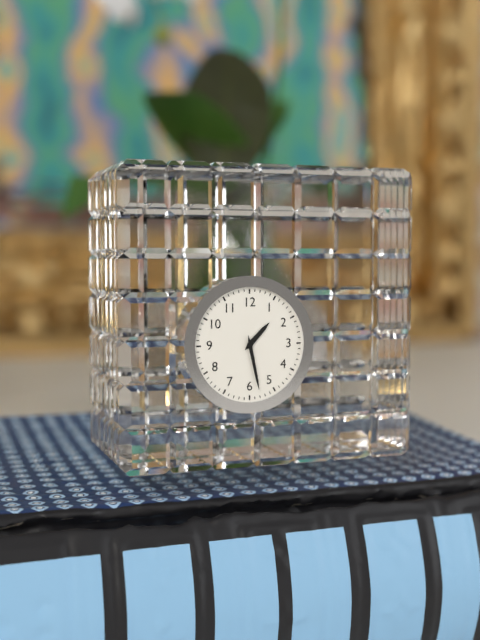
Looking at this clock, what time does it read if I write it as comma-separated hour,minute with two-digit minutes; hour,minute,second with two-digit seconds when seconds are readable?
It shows 1,28
